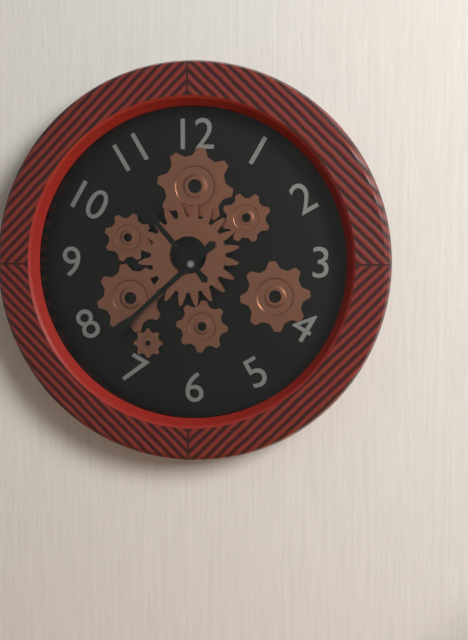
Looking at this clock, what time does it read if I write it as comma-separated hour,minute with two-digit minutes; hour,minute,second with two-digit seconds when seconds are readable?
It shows 10,38
